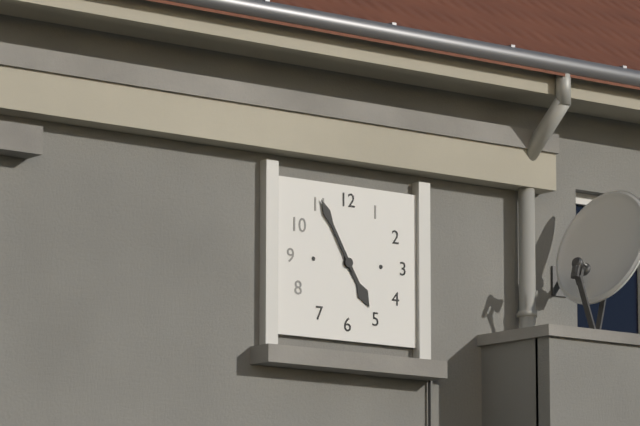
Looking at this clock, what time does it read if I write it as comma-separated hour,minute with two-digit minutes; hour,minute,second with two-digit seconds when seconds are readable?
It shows 4,55
